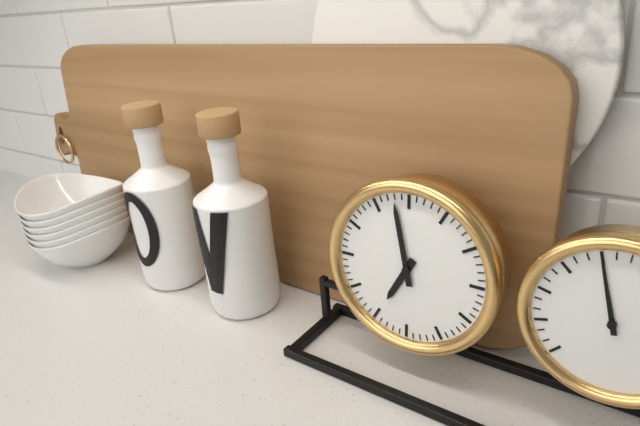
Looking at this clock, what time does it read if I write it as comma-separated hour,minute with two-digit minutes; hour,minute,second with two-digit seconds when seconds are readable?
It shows 6,58
